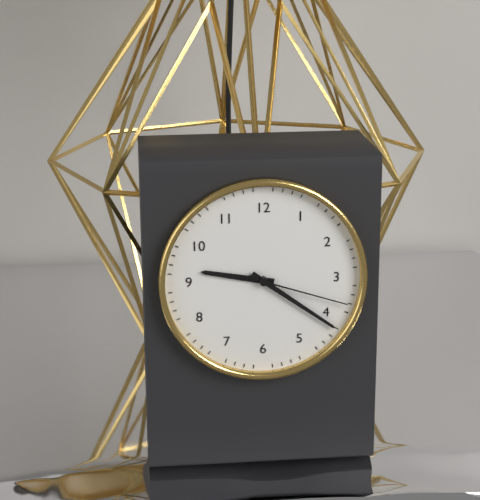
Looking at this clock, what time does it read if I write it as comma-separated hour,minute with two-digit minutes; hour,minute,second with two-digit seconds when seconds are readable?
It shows 9,21,18
